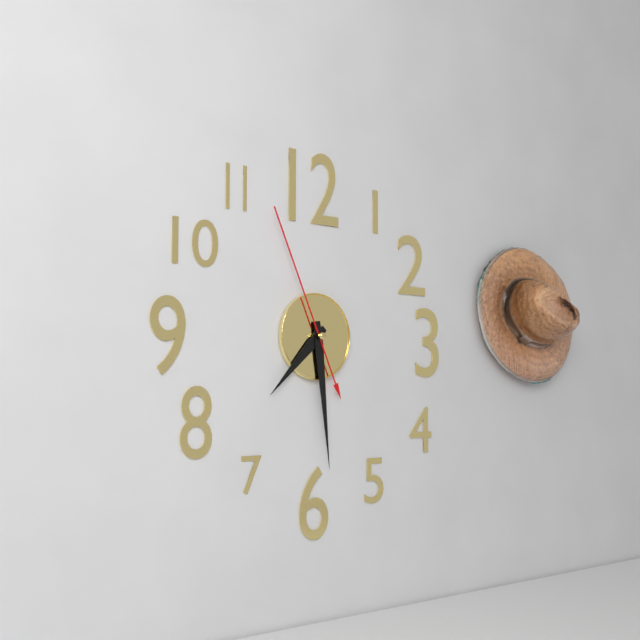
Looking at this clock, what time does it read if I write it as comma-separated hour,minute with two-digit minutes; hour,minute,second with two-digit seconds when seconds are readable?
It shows 7,29,56
